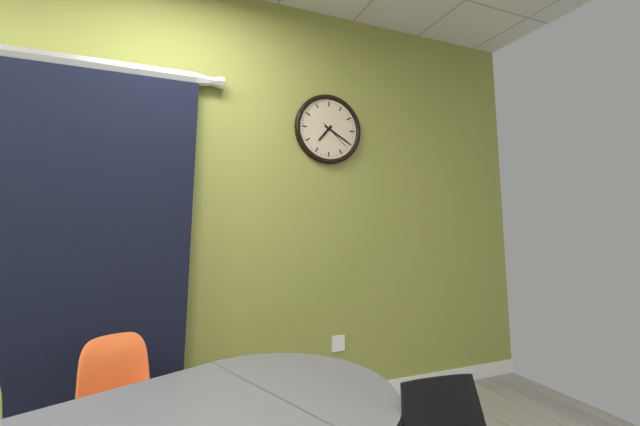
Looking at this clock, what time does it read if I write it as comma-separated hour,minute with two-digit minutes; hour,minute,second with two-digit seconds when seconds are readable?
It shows 7,20
